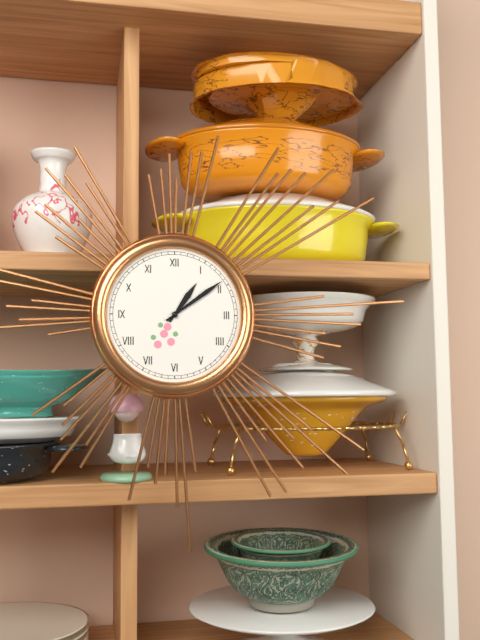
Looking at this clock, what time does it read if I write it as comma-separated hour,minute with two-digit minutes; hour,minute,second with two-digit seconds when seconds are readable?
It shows 1,09
